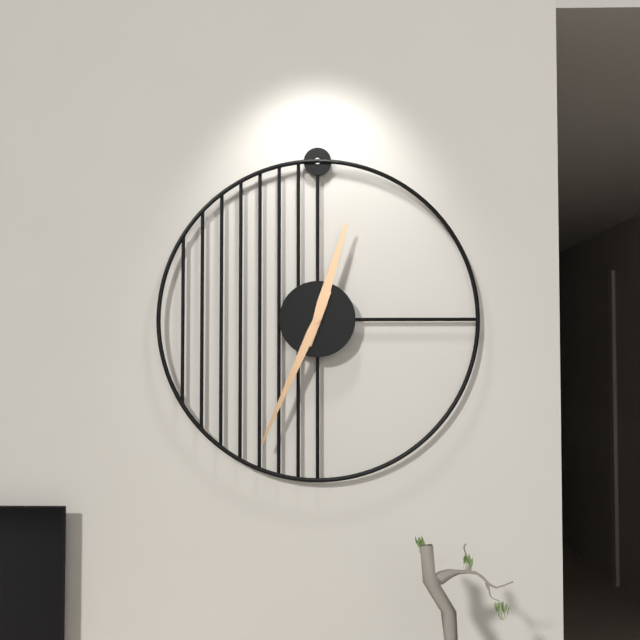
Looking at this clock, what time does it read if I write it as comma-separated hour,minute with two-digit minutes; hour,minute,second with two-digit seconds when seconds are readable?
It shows 12,34
